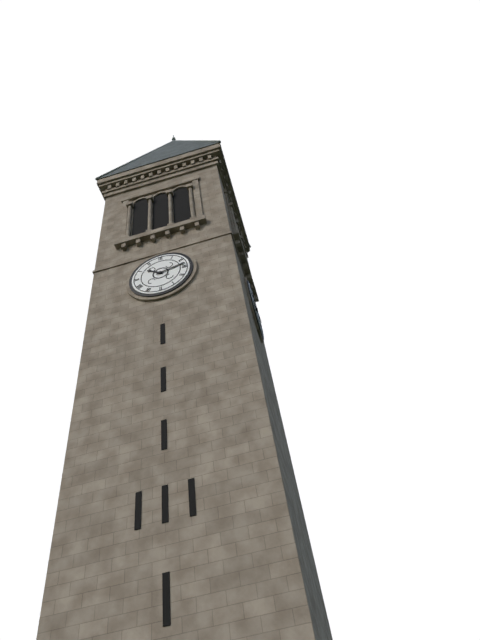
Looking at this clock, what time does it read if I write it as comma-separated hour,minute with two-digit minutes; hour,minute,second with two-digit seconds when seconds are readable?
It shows 10,13
